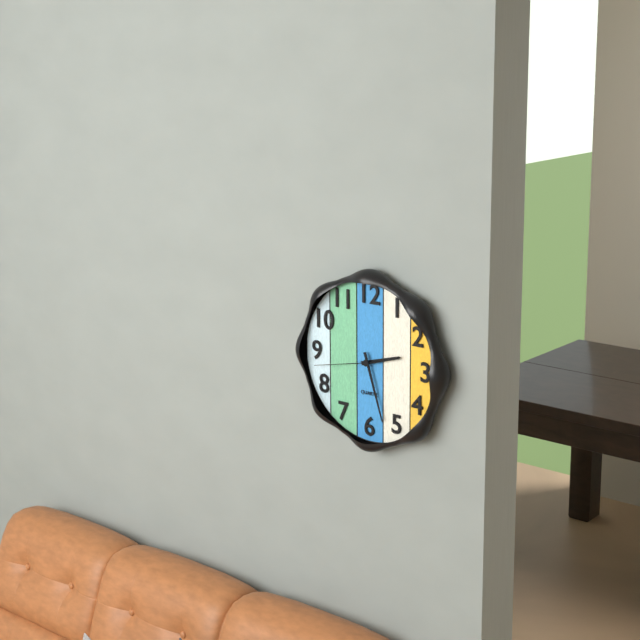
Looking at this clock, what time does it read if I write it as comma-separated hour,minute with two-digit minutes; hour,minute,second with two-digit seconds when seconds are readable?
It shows 2,27,43
